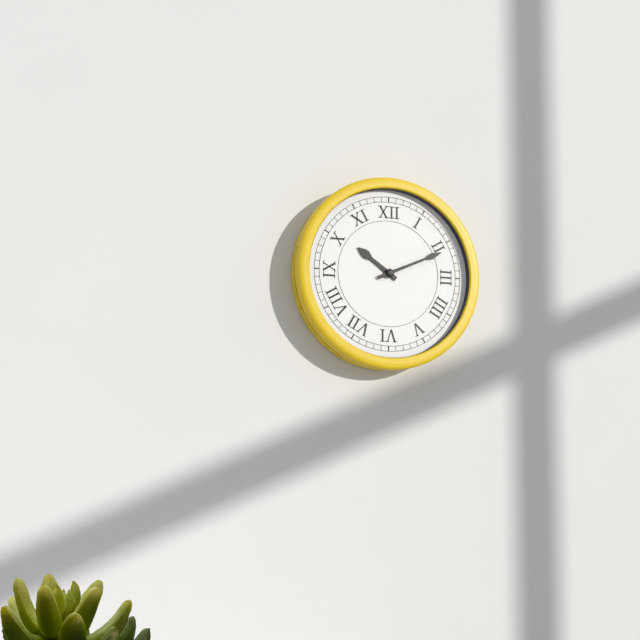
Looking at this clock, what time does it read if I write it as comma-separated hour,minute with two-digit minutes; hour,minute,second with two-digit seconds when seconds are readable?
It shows 10,11
